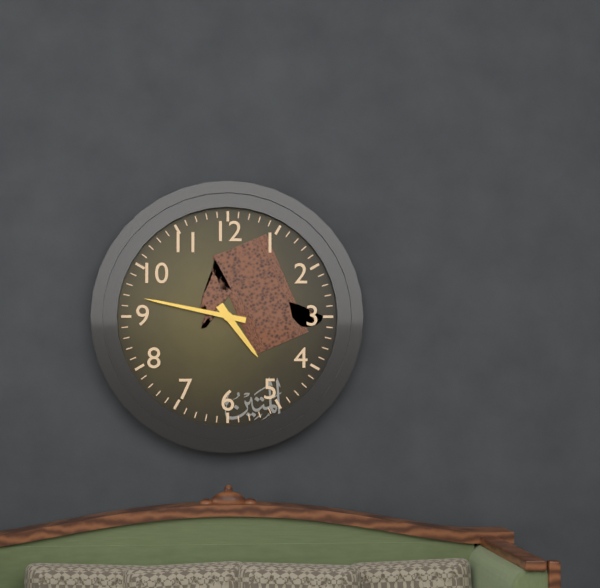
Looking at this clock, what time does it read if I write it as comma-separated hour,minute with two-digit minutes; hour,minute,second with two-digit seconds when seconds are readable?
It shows 4,47
